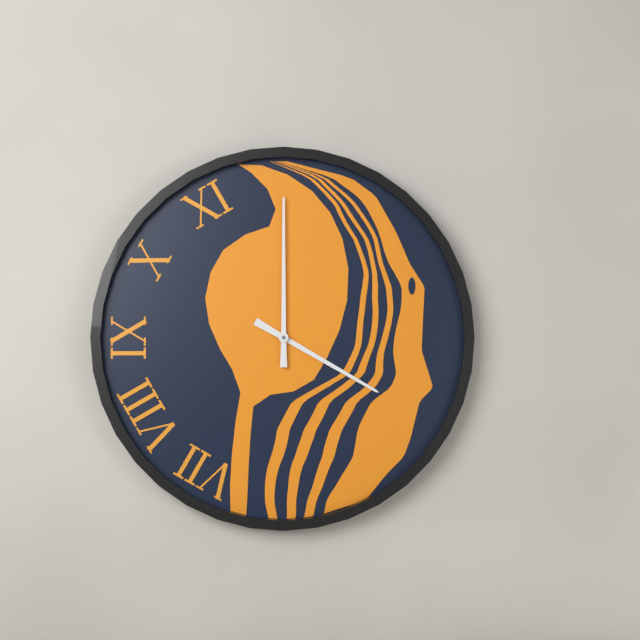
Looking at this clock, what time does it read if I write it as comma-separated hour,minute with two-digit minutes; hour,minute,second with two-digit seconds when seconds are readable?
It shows 4,00
